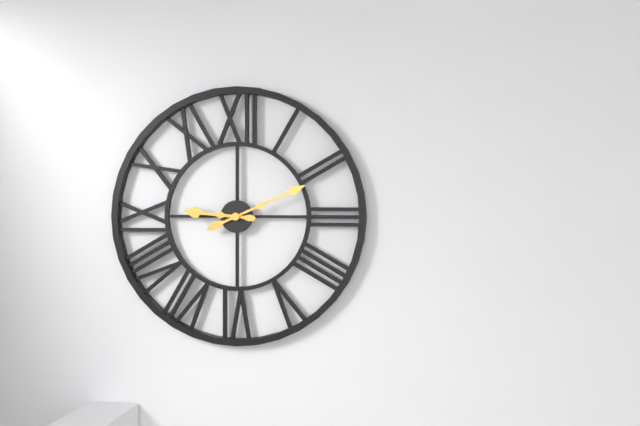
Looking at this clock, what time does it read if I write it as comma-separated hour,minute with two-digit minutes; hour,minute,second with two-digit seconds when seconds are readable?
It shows 9,11
